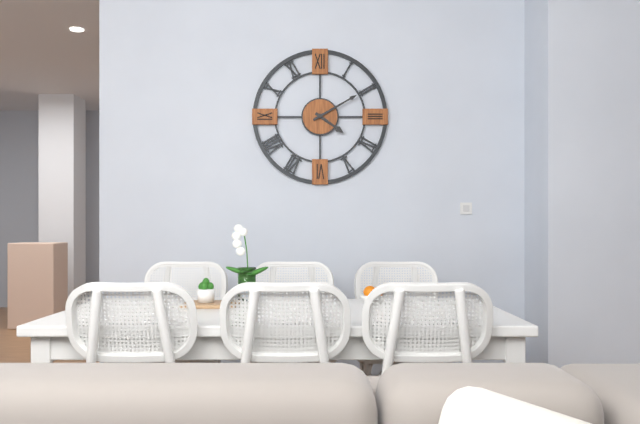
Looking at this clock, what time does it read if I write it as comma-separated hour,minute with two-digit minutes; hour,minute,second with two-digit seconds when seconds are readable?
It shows 4,10
